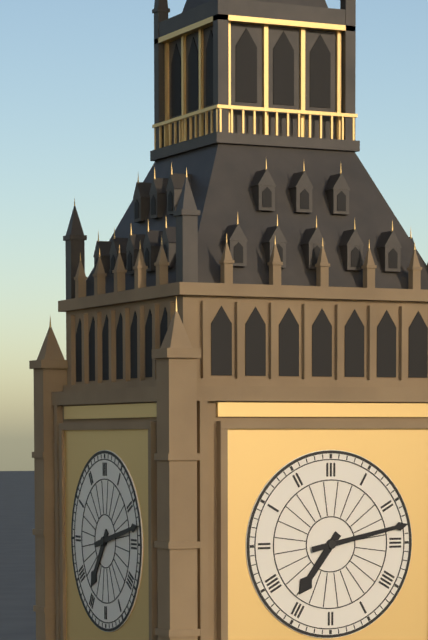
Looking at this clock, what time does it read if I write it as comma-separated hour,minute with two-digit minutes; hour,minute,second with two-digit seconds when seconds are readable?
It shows 7,13
